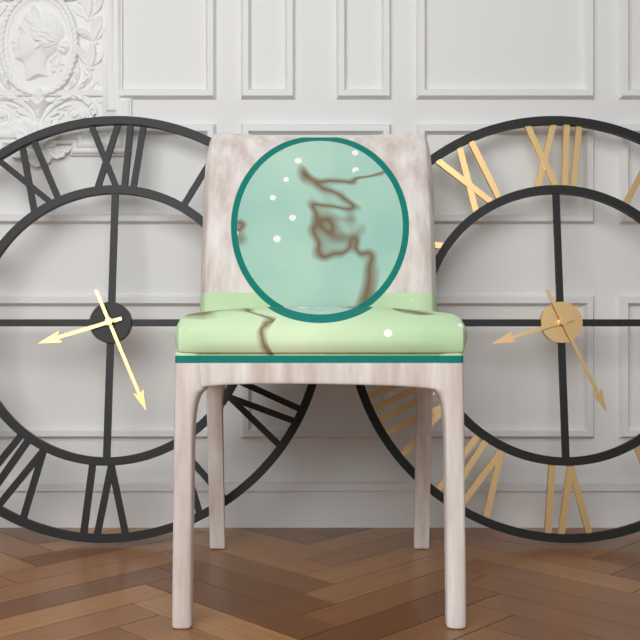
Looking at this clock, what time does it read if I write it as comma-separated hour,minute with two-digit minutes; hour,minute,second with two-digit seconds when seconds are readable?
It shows 8,26
